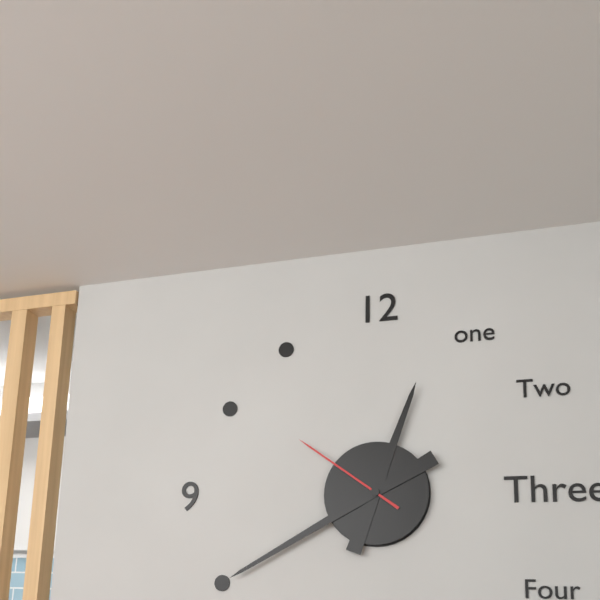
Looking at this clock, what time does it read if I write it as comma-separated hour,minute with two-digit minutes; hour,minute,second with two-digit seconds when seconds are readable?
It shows 12,40,51
